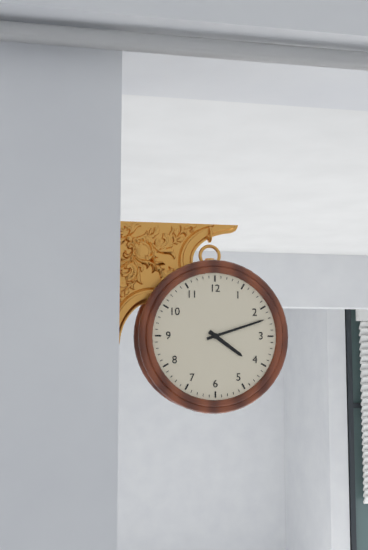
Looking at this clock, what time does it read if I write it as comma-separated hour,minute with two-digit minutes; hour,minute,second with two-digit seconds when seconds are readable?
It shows 4,12
